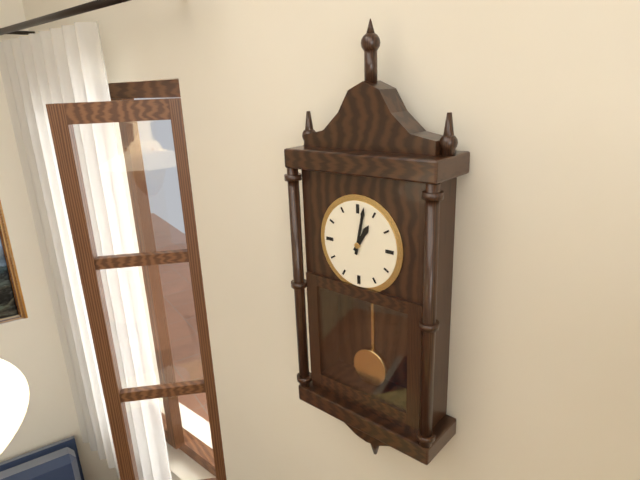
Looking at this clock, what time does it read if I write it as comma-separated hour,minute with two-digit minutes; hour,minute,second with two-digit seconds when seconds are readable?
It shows 1,02
